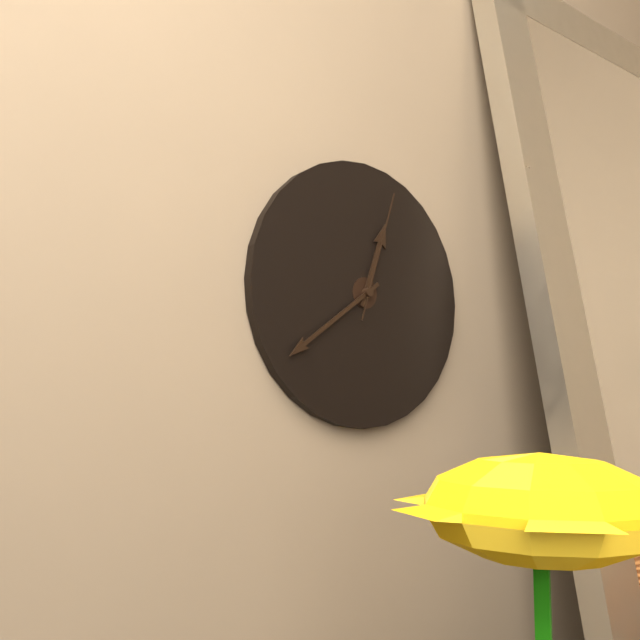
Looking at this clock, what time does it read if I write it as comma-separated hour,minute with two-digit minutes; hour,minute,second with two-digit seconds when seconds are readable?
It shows 12,39,03
